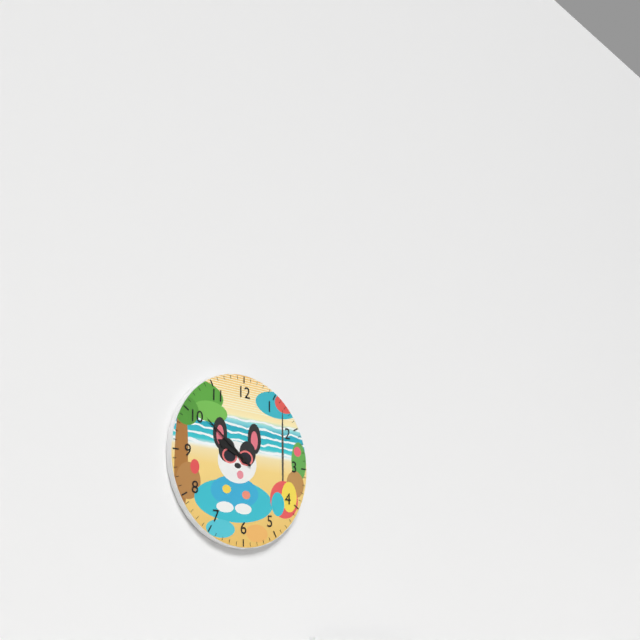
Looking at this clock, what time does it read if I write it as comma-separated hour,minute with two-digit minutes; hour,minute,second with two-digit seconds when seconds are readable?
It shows 9,51
